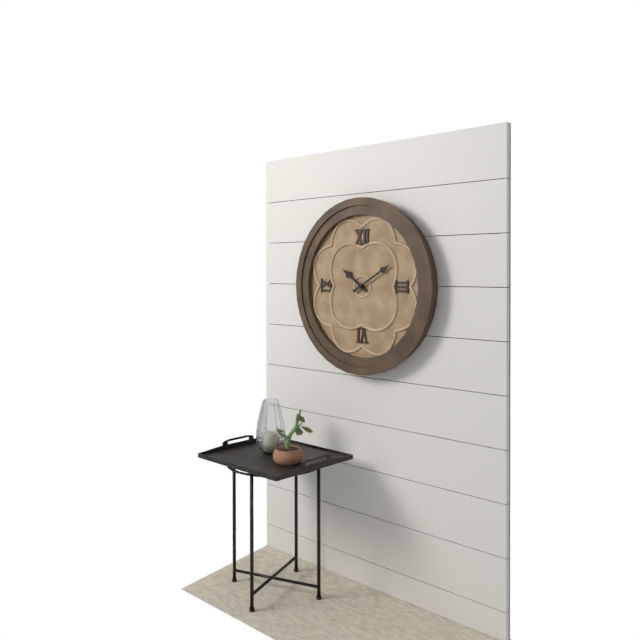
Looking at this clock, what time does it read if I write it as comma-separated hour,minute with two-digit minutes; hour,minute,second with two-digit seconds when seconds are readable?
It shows 10,10
